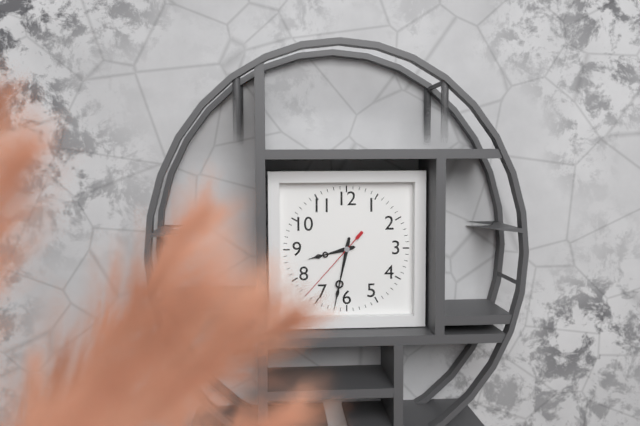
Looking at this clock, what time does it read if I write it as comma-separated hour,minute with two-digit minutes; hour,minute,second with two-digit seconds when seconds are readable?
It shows 8,32,37
